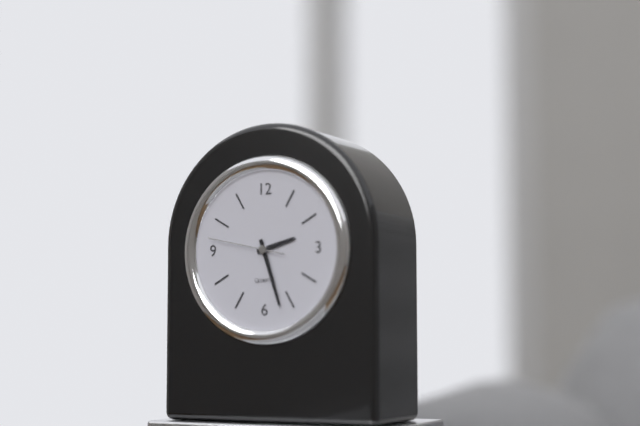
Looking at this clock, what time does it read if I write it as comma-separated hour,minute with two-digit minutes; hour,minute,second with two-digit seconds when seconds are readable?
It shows 2,27,47
